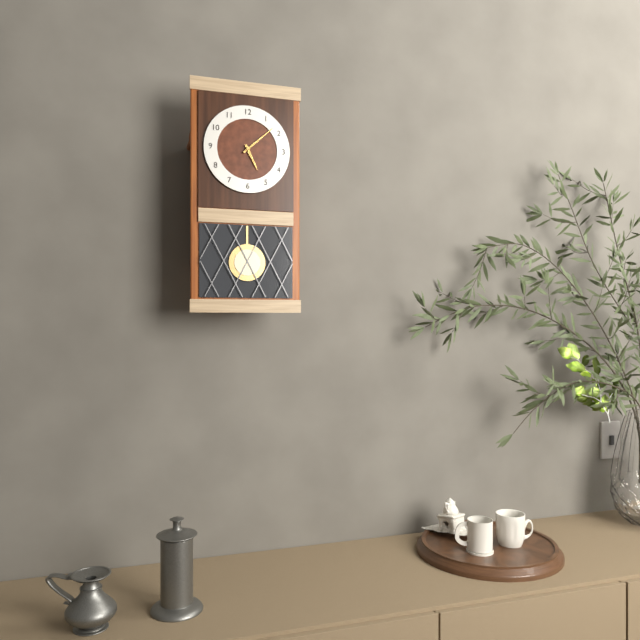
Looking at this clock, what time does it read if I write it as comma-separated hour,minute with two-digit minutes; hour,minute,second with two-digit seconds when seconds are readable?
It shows 5,08
